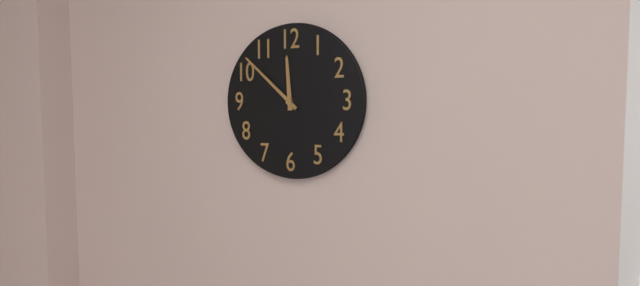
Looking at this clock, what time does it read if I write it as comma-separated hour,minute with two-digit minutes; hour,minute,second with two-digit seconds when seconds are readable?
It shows 11,52
